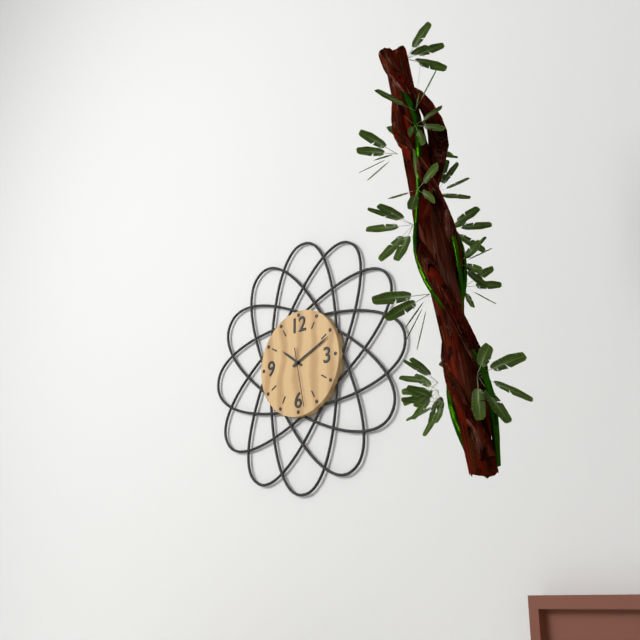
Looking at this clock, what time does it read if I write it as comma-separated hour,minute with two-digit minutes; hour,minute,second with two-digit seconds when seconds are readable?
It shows 10,11,28
